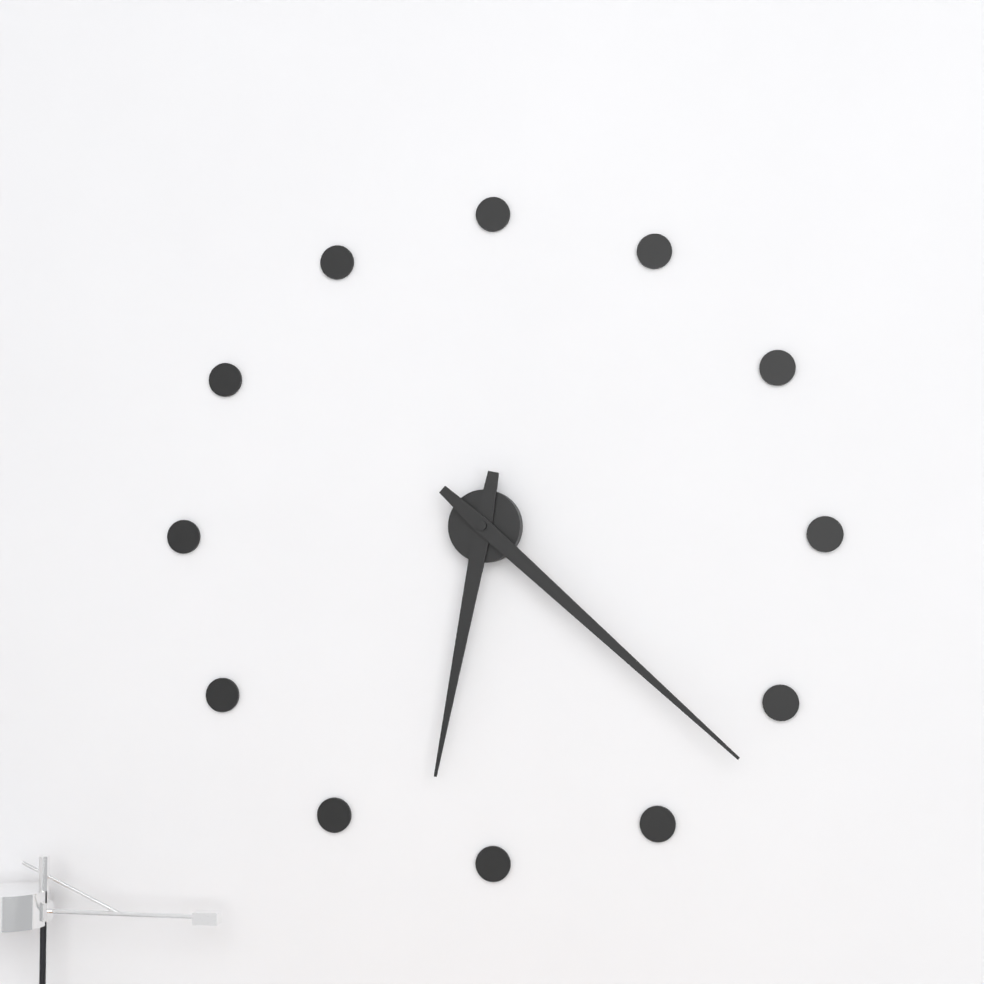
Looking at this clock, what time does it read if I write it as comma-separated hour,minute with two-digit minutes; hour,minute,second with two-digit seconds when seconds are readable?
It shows 6,22
